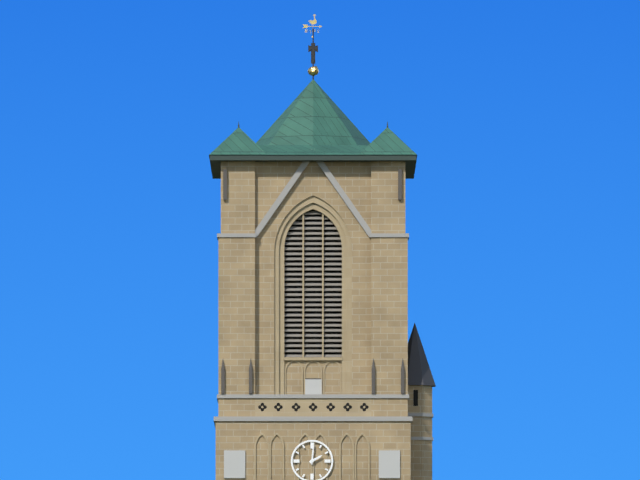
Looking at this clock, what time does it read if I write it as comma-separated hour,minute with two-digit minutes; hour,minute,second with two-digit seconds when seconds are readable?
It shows 2,01
